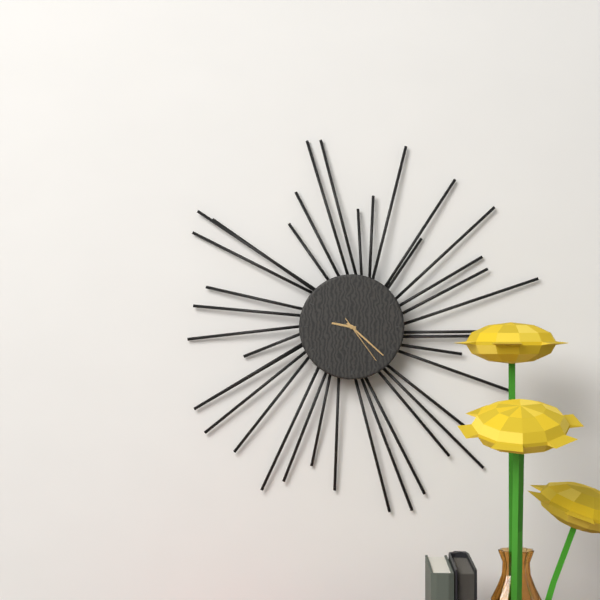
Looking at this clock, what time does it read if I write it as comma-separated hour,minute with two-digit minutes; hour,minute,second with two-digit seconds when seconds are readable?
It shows 9,22,24
